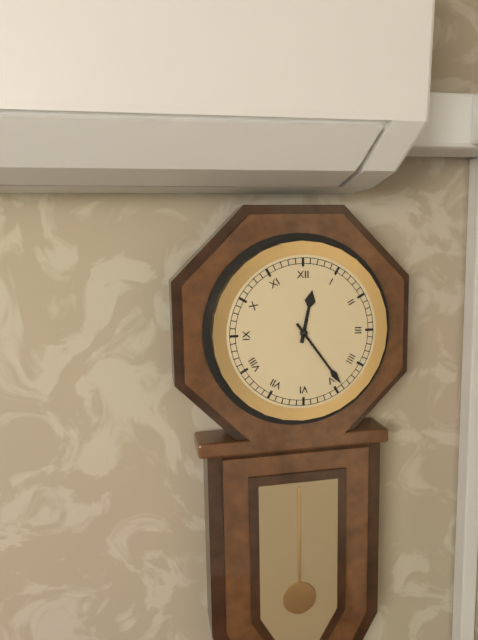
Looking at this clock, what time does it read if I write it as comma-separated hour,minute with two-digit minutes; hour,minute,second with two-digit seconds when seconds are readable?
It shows 12,24
